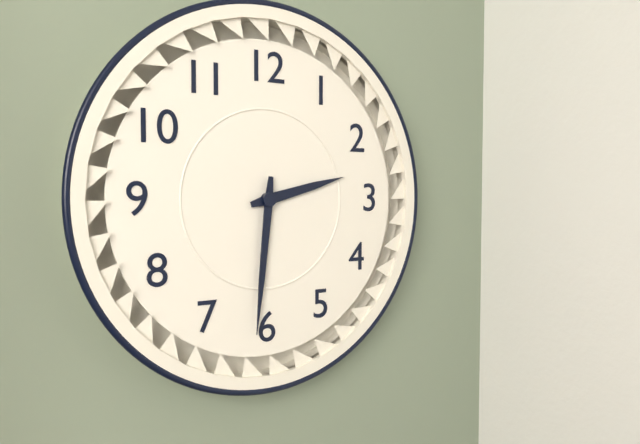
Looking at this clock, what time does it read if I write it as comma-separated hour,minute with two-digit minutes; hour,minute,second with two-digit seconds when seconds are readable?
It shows 2,31
